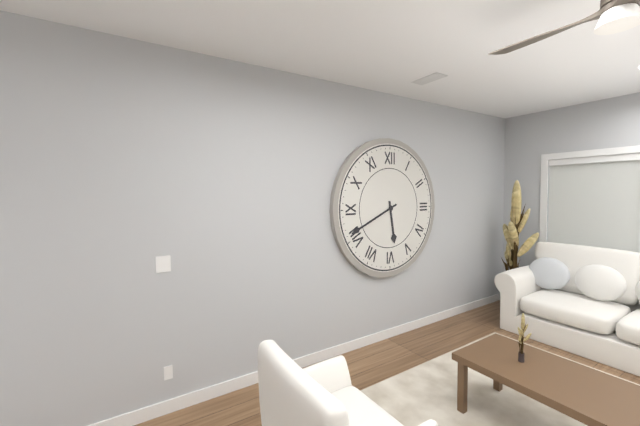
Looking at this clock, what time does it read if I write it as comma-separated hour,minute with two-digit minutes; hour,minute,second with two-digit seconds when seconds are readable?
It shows 5,41
